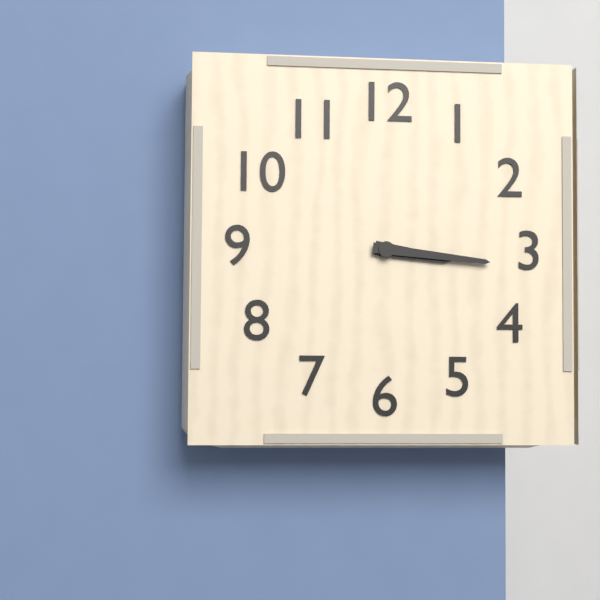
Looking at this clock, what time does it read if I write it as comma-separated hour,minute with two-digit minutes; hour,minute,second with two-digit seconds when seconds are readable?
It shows 3,16
